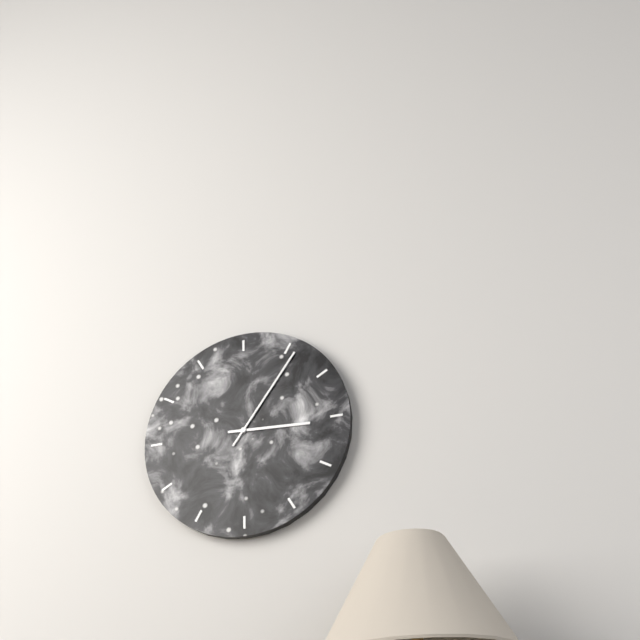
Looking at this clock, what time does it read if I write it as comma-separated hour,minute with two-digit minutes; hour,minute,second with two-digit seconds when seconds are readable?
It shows 3,06
